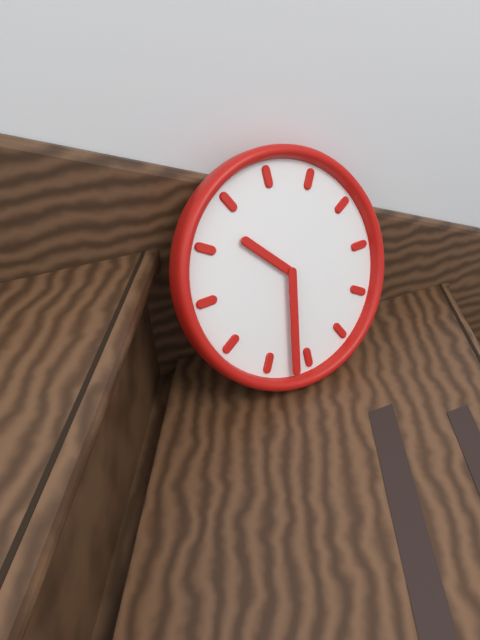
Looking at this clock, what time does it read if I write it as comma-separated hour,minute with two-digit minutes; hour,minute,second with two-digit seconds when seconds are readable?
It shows 10,32
